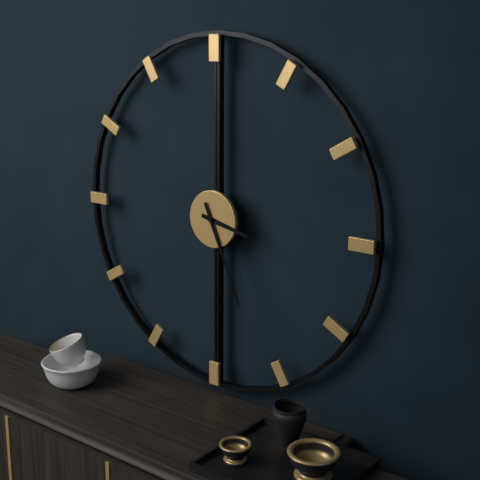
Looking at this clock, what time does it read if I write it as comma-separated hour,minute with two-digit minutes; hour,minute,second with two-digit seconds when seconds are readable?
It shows 3,26
